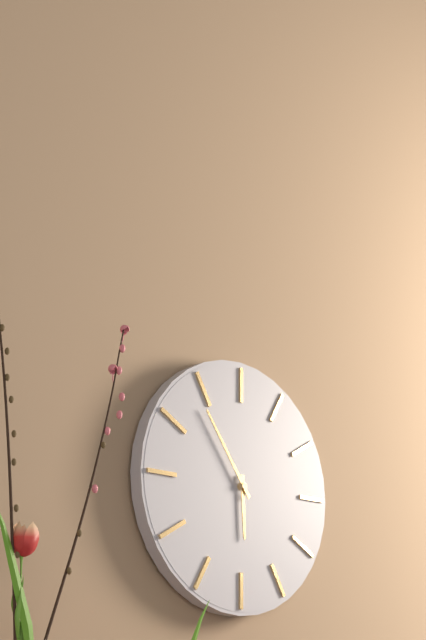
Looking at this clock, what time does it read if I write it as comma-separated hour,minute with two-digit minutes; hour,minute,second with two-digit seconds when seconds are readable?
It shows 5,54
